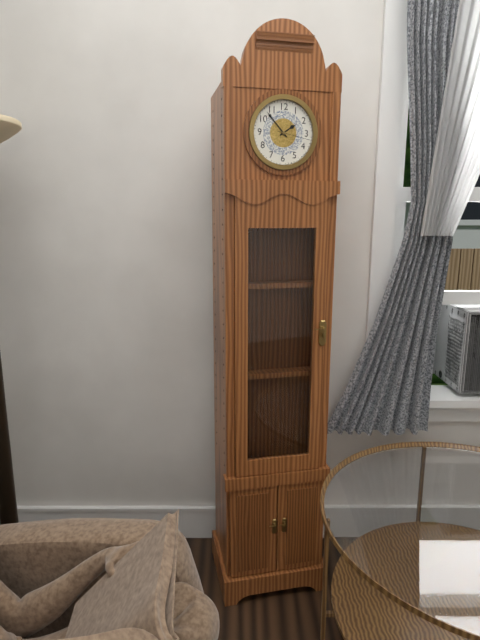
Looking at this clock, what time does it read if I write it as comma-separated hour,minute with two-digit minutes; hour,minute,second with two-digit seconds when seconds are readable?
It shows 1,53
